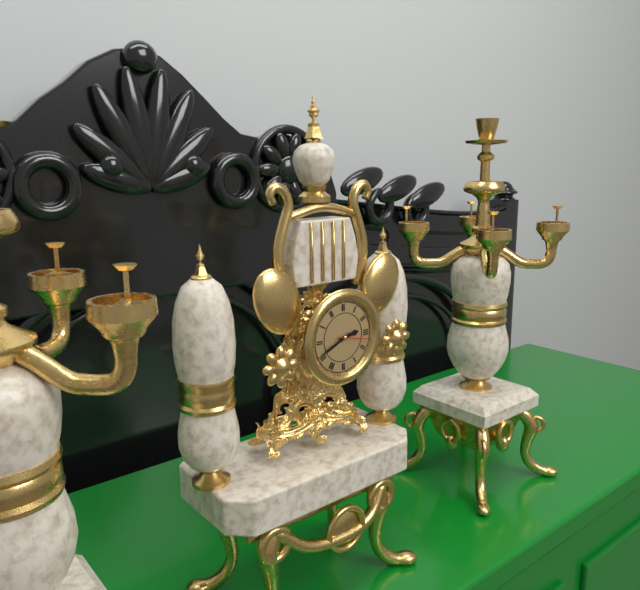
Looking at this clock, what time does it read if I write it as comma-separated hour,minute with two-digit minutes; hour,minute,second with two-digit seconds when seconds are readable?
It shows 2,41
